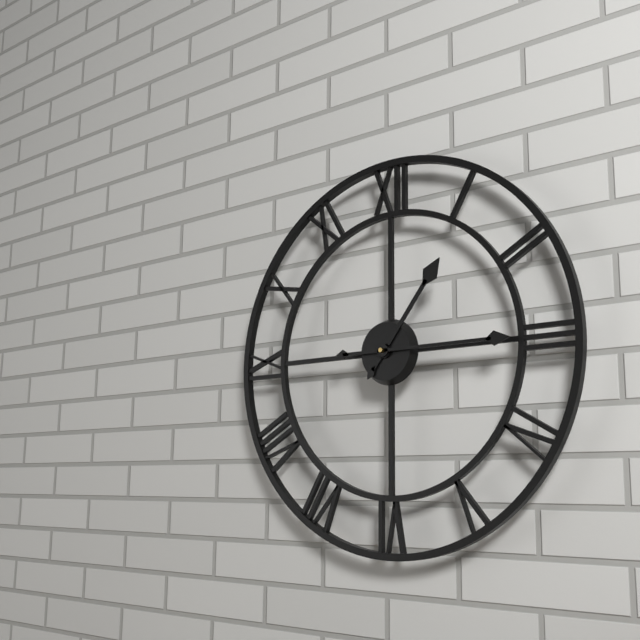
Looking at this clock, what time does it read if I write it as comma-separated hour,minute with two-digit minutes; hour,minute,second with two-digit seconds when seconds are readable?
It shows 1,15
